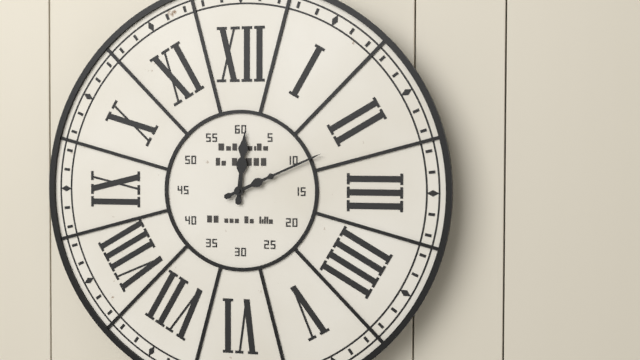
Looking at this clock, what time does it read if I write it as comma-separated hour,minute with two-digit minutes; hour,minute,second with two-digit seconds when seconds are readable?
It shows 12,11
